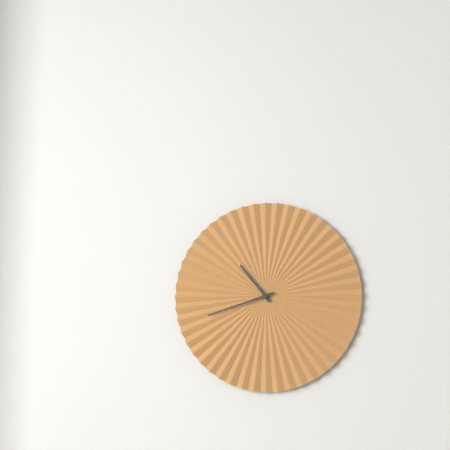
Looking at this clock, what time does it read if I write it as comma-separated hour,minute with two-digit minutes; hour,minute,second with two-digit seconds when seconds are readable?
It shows 10,42
